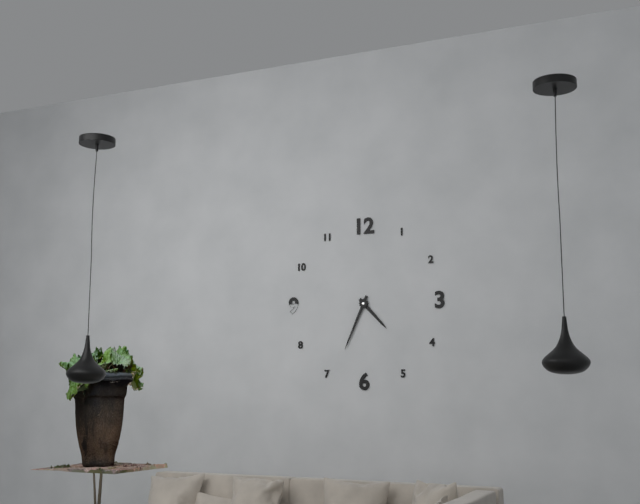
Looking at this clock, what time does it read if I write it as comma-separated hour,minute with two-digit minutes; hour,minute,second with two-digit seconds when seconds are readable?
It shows 4,34
